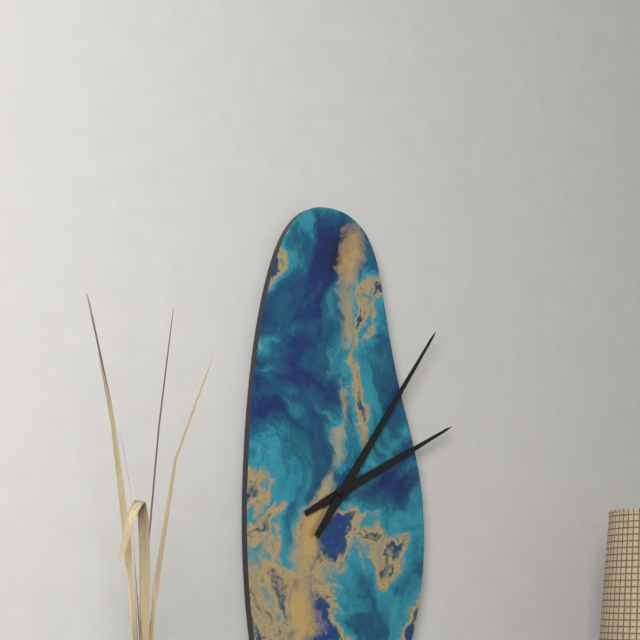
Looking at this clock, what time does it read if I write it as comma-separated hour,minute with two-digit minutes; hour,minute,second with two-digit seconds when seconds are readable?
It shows 2,06
